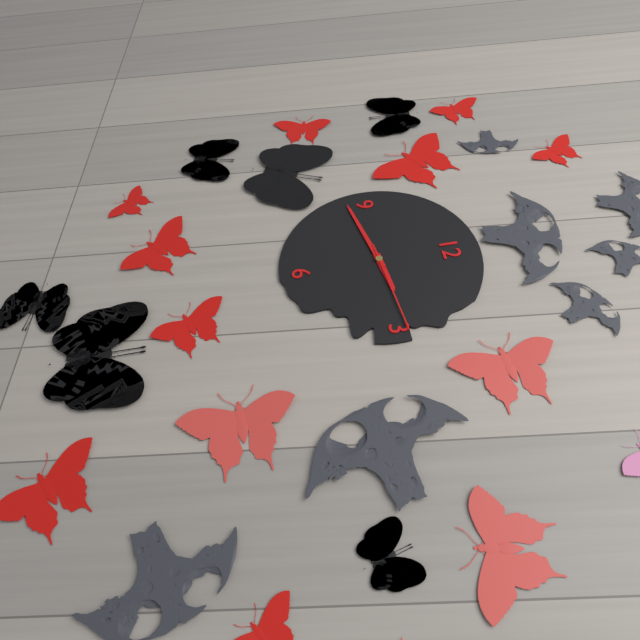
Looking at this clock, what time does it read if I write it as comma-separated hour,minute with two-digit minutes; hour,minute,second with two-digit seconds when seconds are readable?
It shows 2,43,14
